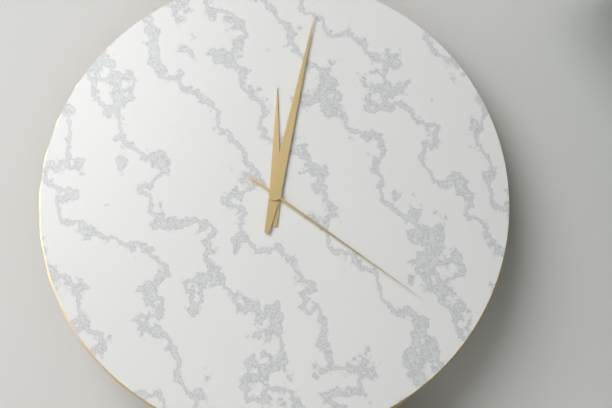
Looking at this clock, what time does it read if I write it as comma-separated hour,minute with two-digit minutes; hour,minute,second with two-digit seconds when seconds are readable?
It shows 12,02,21
